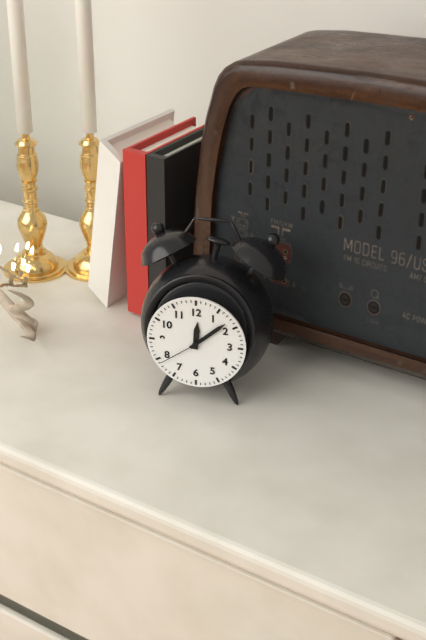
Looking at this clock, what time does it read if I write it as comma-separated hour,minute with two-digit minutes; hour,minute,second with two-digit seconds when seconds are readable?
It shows 12,08,39
